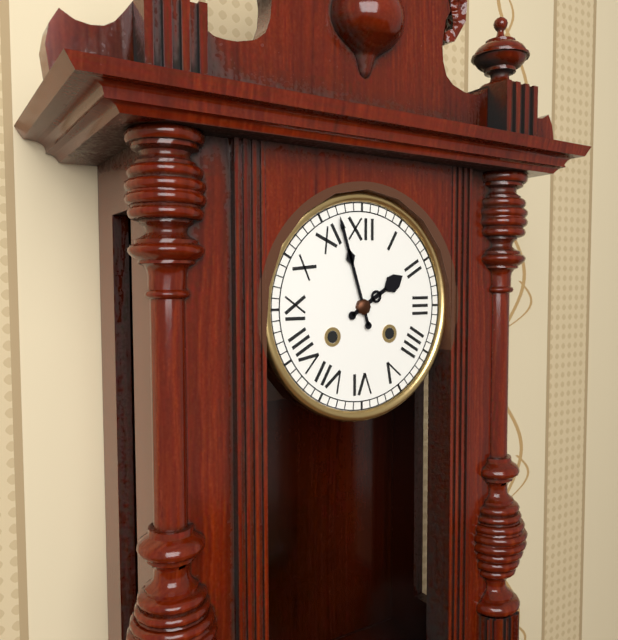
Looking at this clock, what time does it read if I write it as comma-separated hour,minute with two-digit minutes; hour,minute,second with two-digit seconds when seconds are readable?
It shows 1,57
